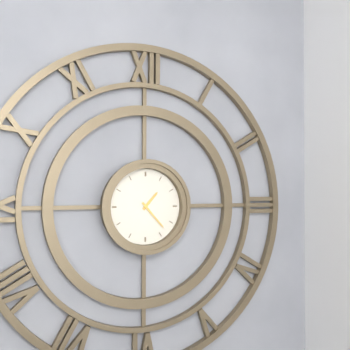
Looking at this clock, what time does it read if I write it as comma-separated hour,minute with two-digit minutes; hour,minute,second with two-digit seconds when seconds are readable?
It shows 1,23
